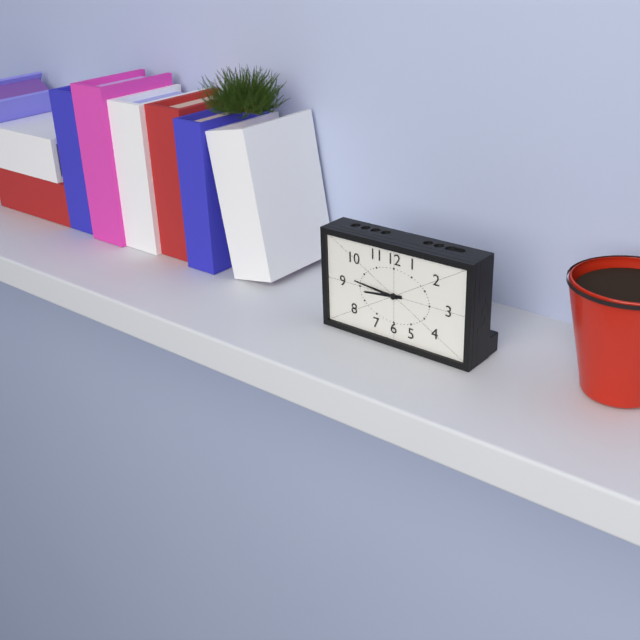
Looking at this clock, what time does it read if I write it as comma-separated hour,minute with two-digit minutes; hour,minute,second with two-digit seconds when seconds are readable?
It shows 8,46
